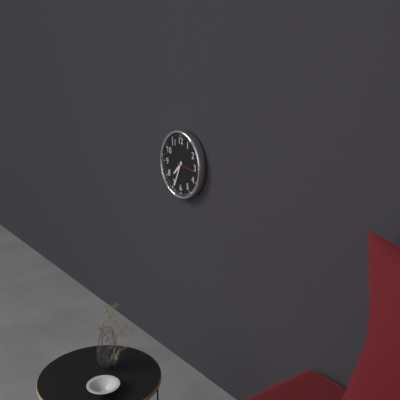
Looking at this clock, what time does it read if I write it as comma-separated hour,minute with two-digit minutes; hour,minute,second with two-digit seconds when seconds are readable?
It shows 7,34
